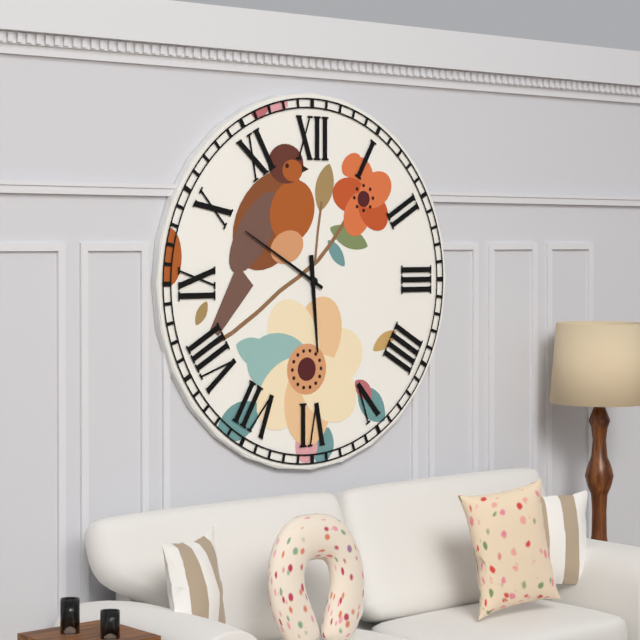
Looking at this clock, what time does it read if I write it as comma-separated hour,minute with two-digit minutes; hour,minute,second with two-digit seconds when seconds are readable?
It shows 5,50
